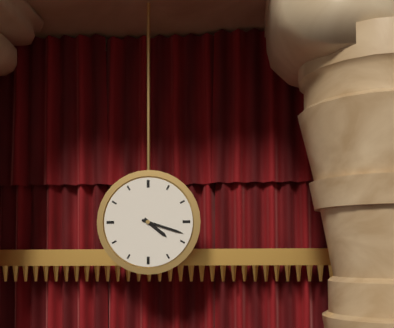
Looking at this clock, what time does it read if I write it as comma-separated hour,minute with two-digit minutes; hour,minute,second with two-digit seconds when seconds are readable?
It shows 4,18
